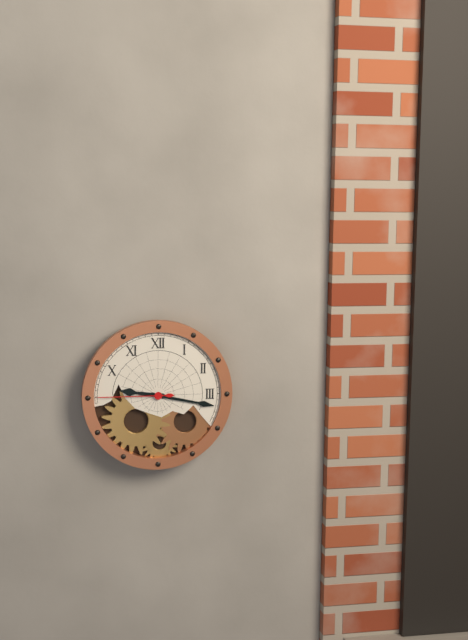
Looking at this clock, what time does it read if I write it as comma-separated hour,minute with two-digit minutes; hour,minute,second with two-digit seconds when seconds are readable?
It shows 9,17,45
